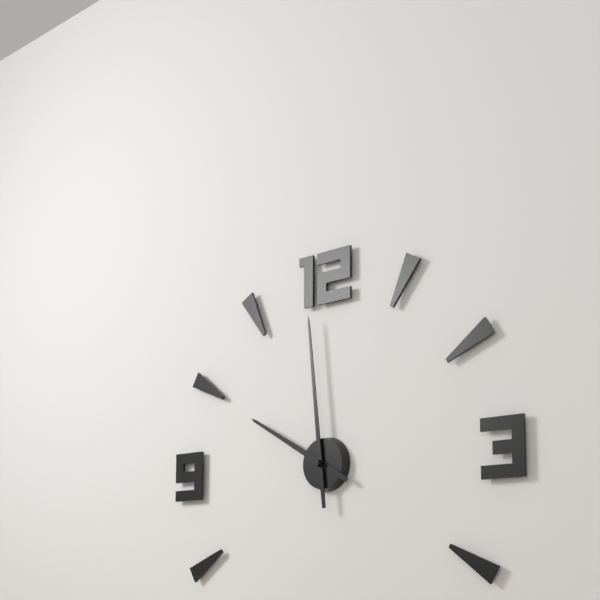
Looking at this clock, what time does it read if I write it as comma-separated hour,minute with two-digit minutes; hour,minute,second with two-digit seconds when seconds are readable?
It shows 9,59
